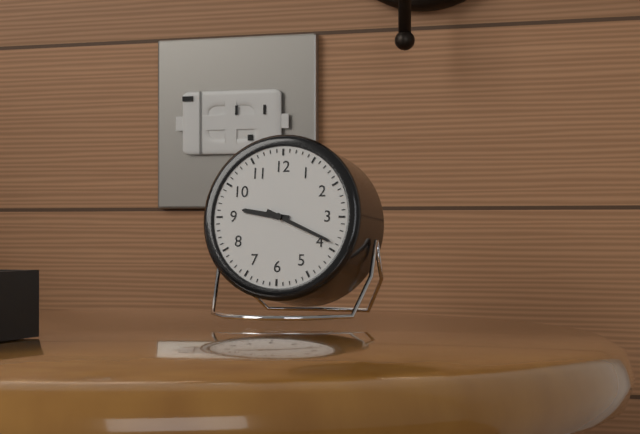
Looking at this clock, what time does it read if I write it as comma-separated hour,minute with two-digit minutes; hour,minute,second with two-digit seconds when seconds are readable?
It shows 9,19
